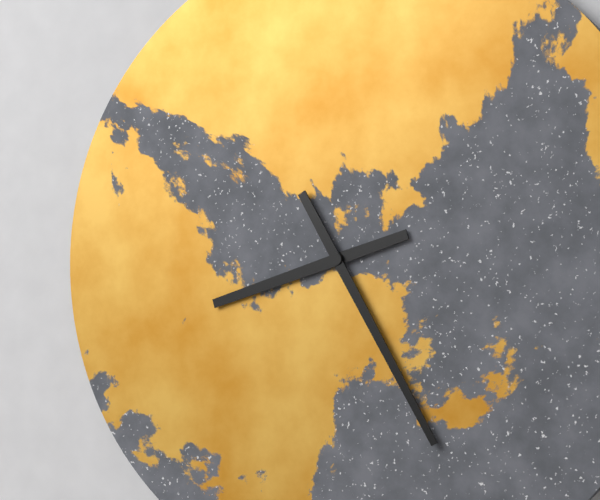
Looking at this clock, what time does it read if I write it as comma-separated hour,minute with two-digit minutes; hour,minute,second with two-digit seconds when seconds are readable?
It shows 8,25
